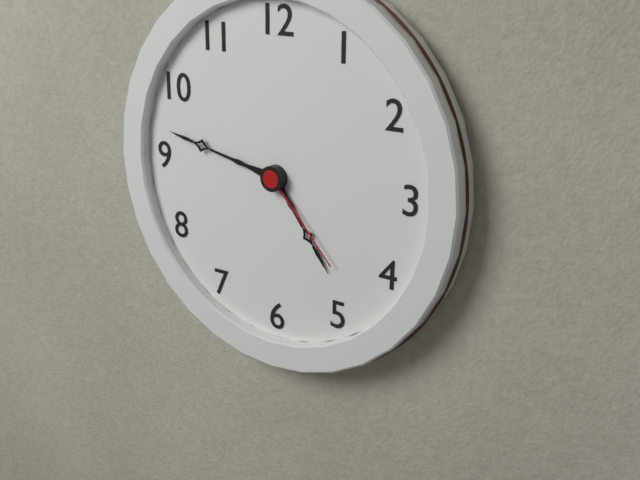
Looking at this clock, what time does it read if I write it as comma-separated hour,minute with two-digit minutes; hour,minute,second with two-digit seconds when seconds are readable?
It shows 4,47,23
